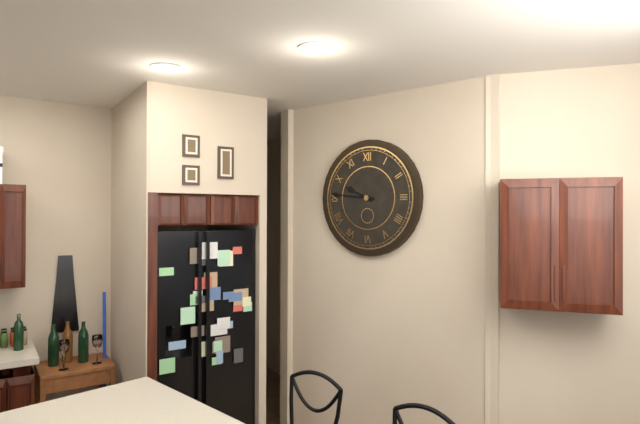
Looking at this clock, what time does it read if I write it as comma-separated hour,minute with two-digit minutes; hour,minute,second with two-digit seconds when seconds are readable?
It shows 9,46
